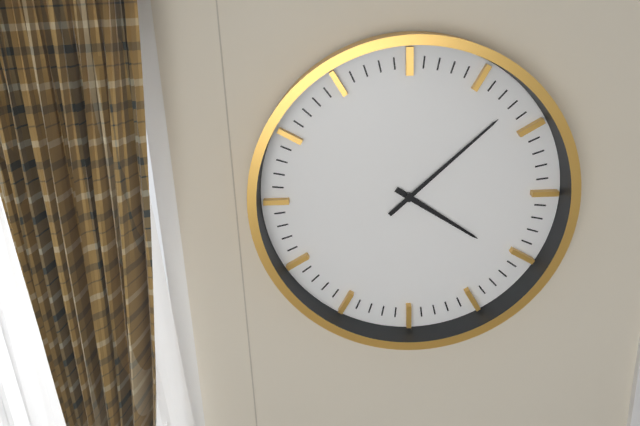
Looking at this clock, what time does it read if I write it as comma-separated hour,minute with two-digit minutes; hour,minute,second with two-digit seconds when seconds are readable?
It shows 4,08
